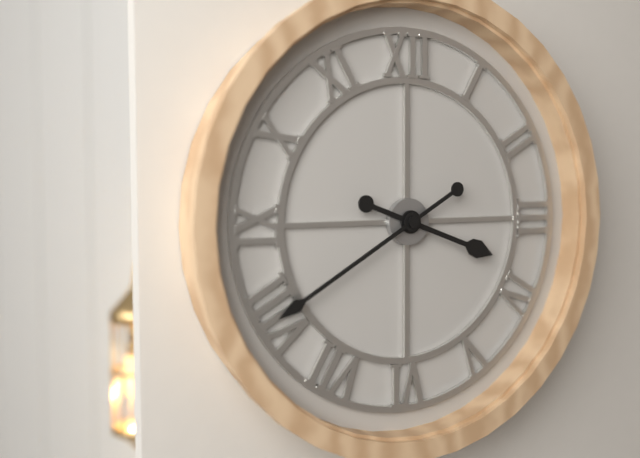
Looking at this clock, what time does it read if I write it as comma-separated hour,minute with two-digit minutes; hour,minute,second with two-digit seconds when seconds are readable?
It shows 3,40
